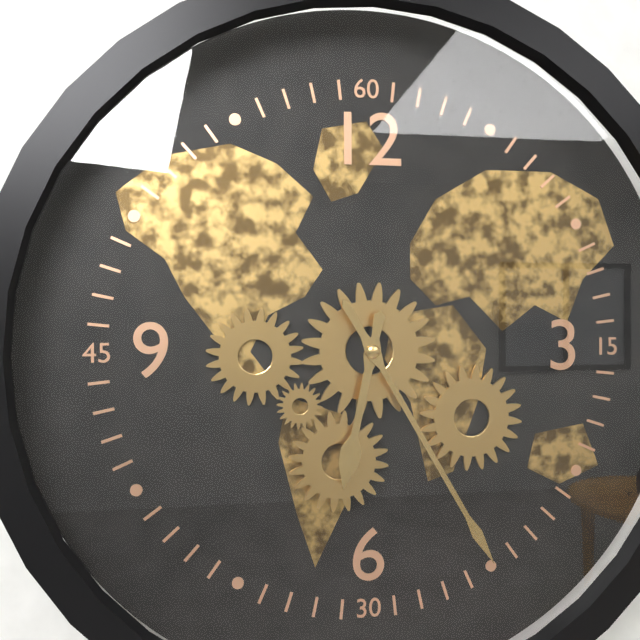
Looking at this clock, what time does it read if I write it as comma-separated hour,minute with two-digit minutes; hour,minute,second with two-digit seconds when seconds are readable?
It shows 6,25
